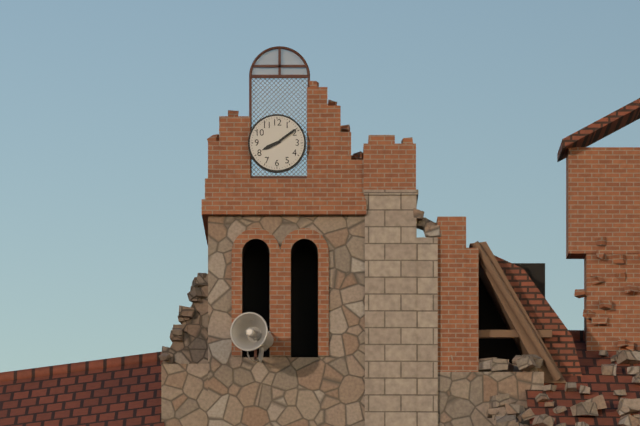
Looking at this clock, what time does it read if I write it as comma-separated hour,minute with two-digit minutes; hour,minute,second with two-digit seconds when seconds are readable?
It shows 8,09
